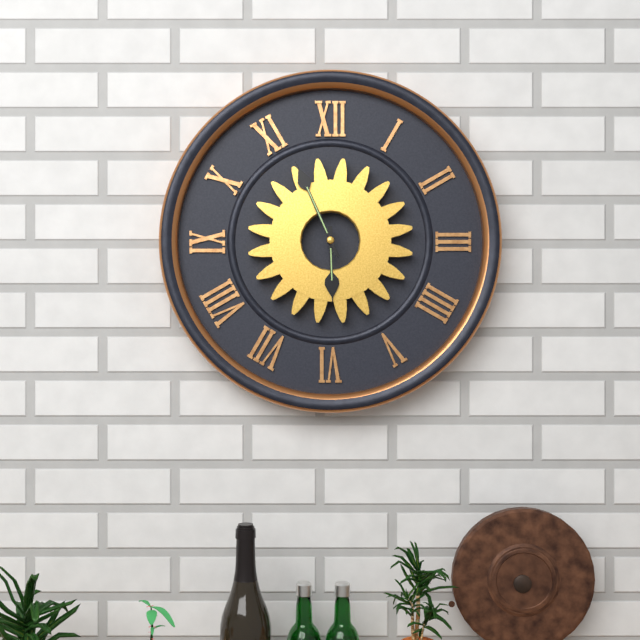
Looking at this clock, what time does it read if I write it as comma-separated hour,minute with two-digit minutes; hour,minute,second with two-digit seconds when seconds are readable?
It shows 5,56
